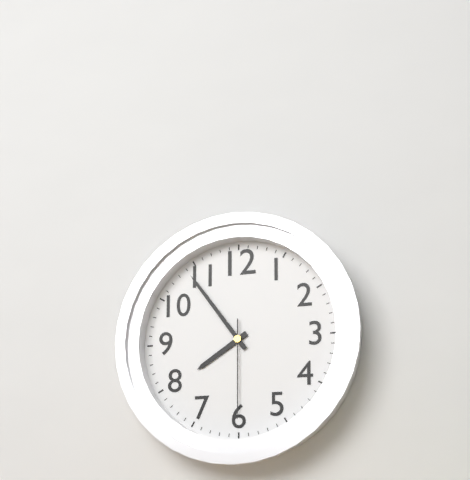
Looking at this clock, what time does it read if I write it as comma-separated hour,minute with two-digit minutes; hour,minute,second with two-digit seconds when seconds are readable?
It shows 7,54,30
